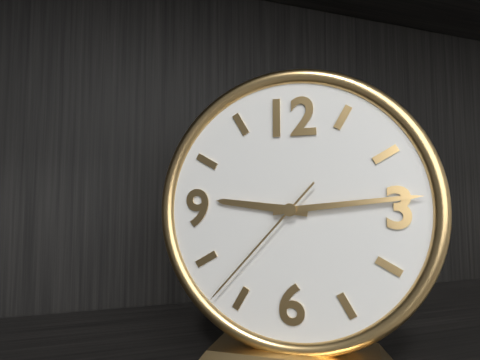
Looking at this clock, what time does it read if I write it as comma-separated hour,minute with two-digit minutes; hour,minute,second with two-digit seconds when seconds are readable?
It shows 9,14,37
